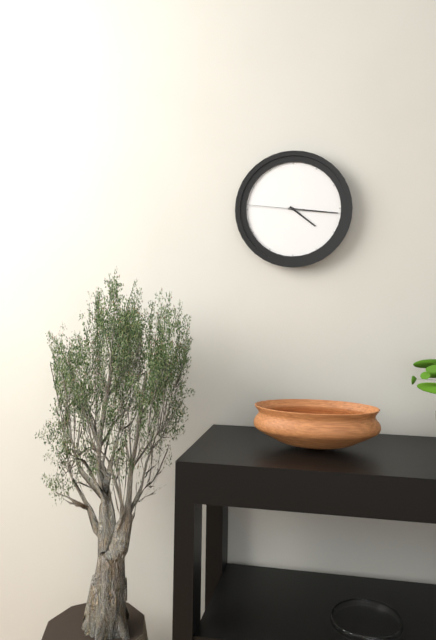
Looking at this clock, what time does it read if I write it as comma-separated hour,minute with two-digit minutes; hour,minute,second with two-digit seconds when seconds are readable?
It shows 4,16,46
